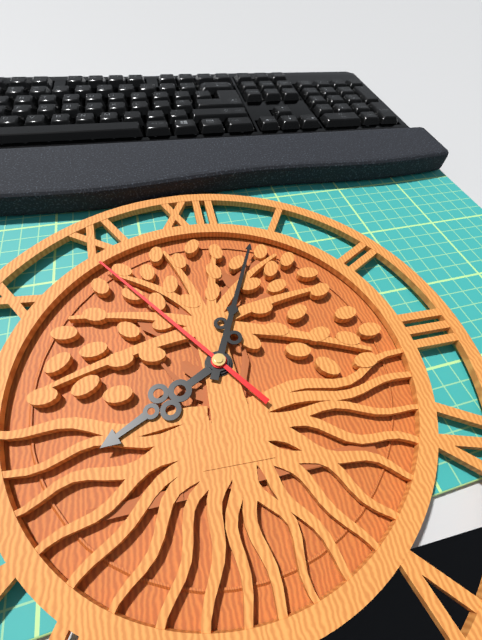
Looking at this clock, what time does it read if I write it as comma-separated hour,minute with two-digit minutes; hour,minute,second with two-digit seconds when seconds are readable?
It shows 8,04,54
